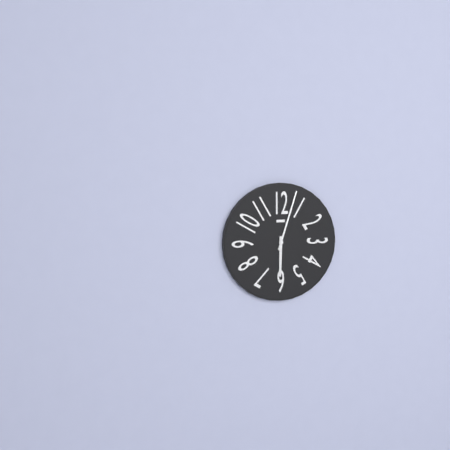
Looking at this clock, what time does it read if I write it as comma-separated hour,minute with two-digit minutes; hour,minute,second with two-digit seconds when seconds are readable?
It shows 6,03
